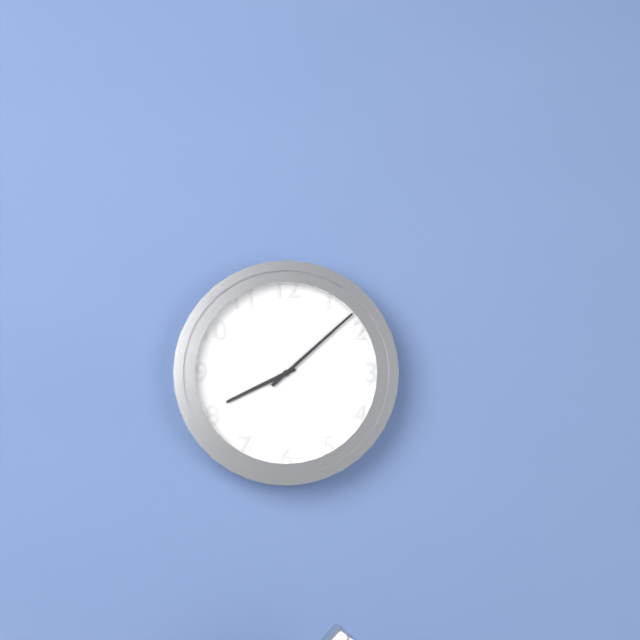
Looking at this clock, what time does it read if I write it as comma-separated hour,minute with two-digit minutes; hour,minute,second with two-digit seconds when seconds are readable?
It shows 8,08
